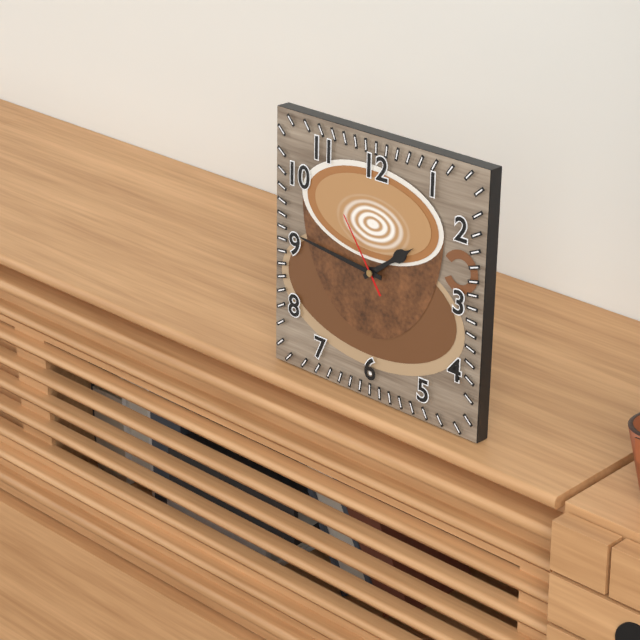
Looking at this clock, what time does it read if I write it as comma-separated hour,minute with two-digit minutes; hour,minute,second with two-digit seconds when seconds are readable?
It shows 1,46,54
